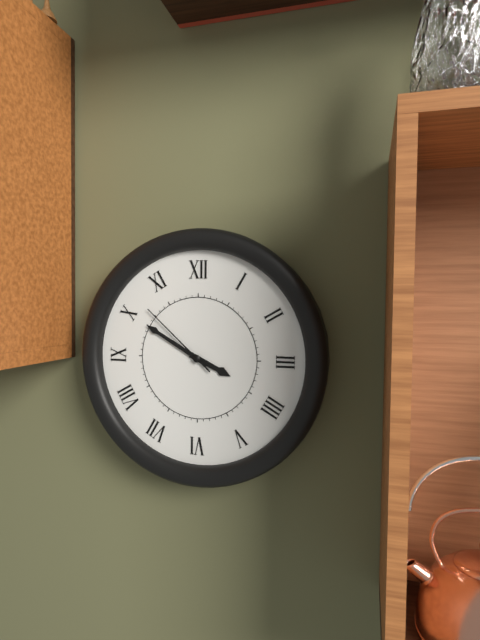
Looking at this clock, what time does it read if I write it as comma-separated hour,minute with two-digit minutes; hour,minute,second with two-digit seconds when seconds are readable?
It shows 3,50,52
